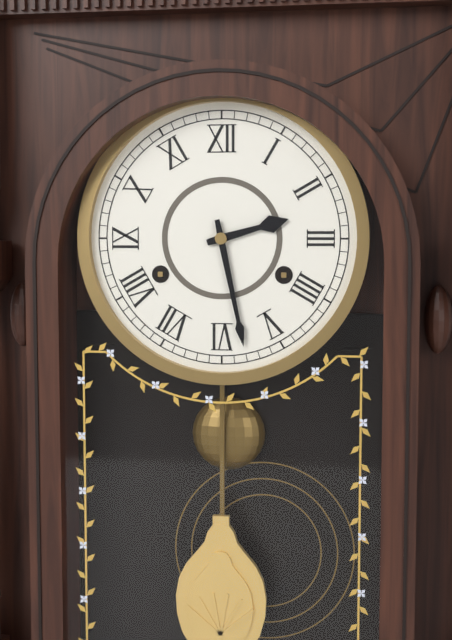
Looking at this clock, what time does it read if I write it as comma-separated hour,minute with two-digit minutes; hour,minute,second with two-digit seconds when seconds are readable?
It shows 2,28
